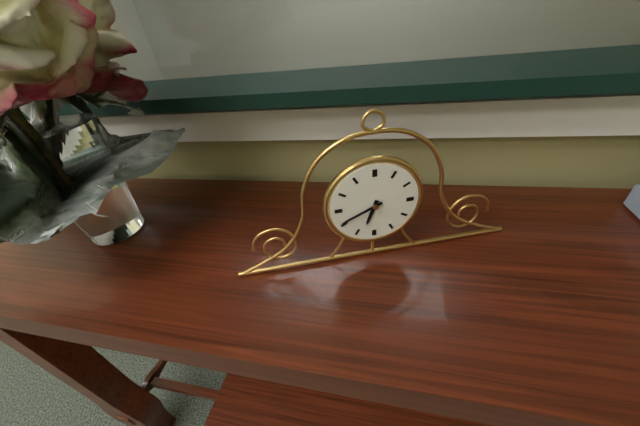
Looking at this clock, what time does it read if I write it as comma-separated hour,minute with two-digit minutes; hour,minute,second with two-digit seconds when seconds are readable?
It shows 6,41
